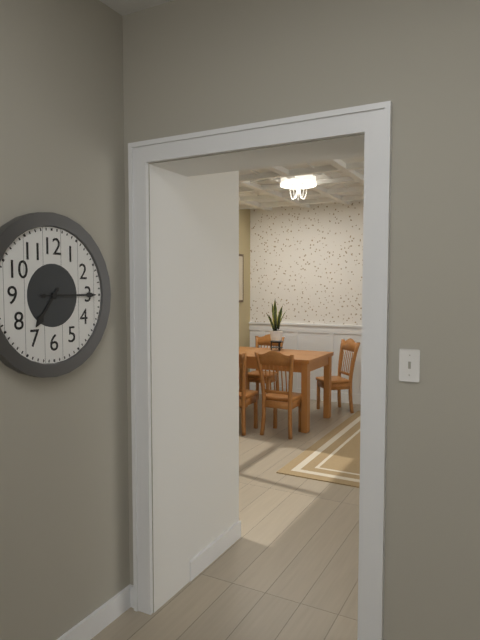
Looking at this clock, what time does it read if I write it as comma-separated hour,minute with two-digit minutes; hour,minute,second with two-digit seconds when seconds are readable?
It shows 7,15
